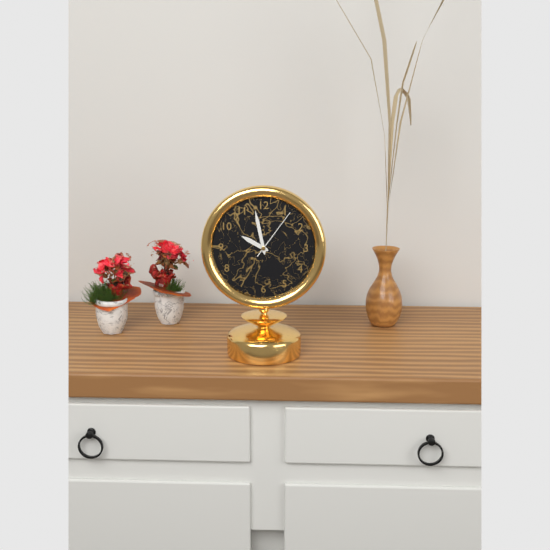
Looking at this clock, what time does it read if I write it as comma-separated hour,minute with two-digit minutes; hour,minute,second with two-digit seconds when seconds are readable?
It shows 9,58,06
